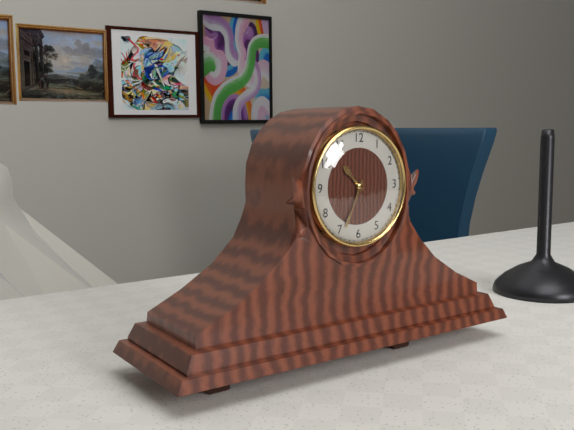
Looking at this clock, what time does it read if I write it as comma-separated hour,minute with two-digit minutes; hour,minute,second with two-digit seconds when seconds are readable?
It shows 10,34
